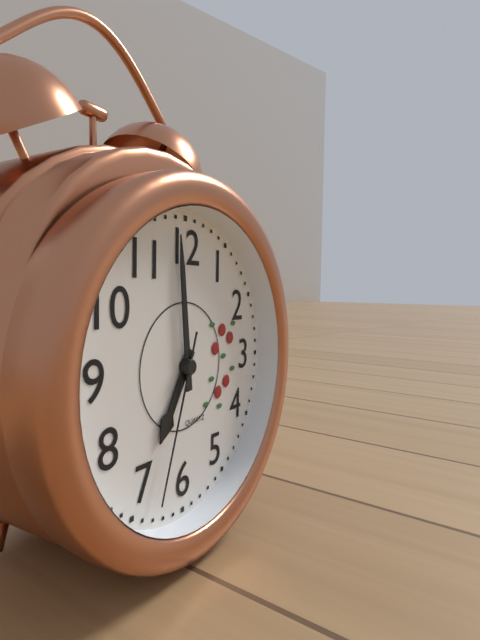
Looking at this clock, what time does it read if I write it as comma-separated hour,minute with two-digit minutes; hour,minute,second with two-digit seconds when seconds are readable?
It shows 6,59,33
